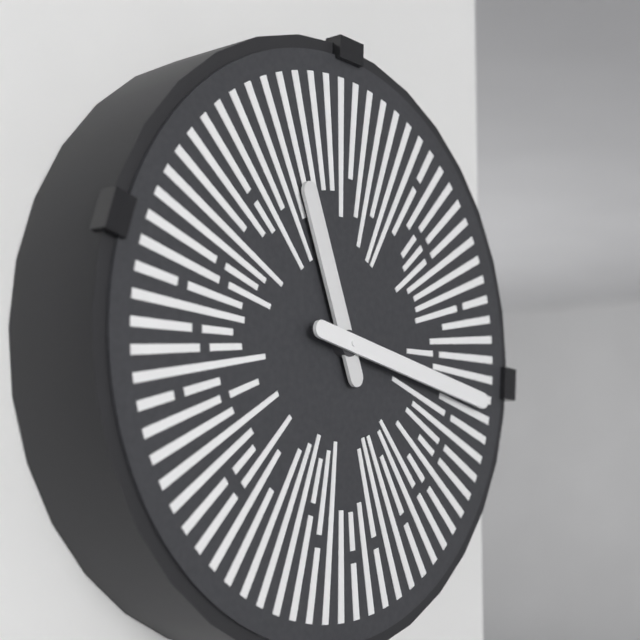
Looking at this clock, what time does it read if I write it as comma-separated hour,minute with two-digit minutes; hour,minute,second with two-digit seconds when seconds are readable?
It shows 11,17
